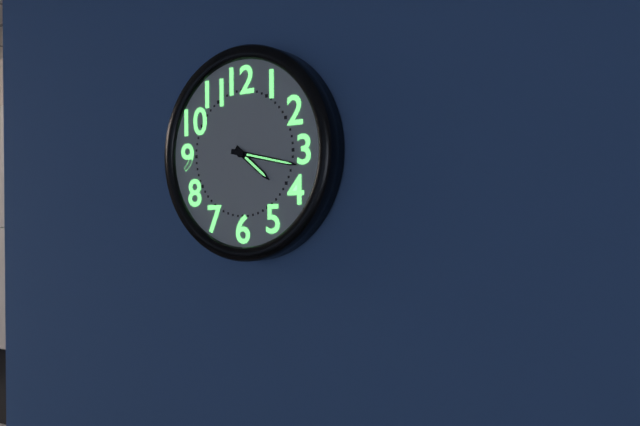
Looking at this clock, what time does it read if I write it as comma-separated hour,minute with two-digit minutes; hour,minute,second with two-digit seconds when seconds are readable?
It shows 4,17
